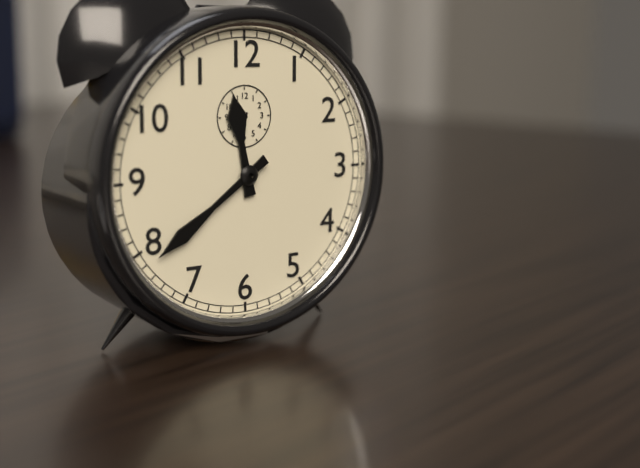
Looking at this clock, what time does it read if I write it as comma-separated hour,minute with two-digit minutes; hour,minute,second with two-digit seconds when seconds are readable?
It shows 11,39
